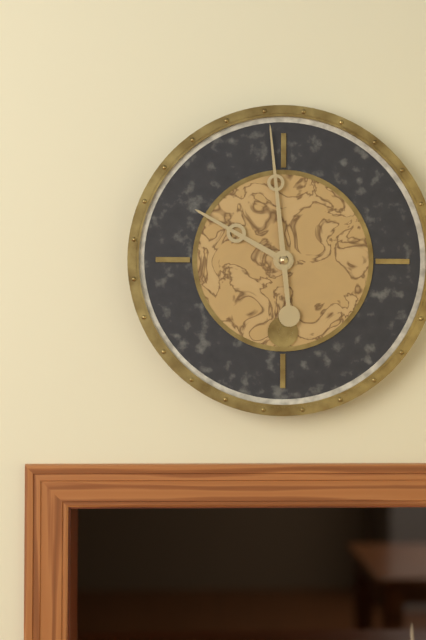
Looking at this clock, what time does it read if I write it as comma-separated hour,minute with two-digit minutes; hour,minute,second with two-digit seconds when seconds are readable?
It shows 9,59
